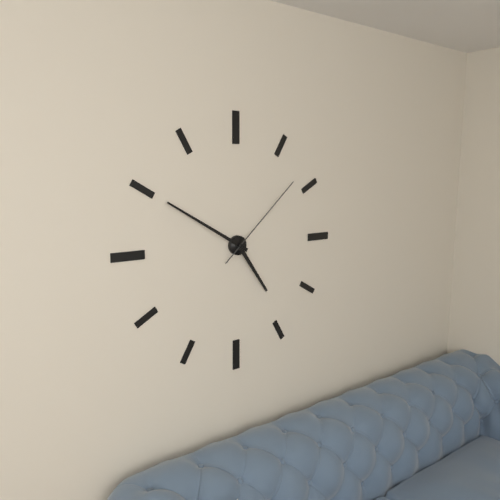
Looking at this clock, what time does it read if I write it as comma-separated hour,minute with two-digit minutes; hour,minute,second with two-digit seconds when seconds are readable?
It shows 4,50,08
